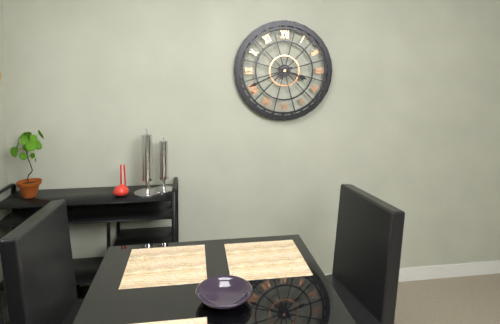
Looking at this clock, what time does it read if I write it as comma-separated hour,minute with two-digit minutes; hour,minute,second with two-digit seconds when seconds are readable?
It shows 3,41
